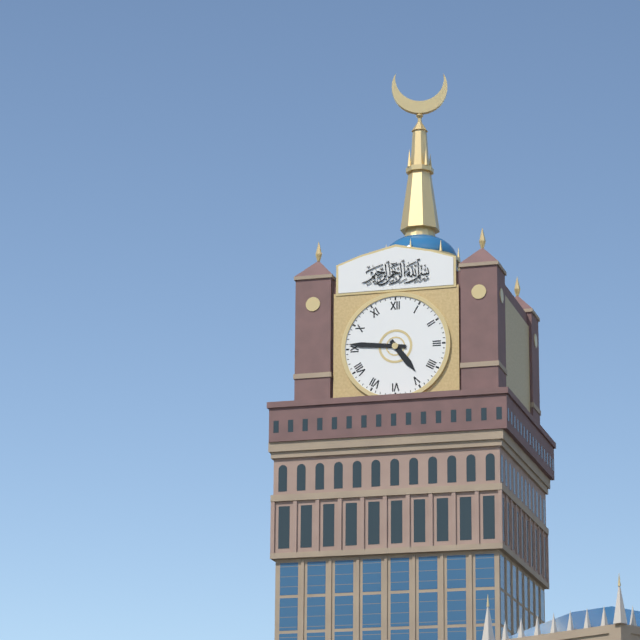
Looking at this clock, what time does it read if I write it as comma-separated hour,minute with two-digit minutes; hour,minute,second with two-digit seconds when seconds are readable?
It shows 4,46
